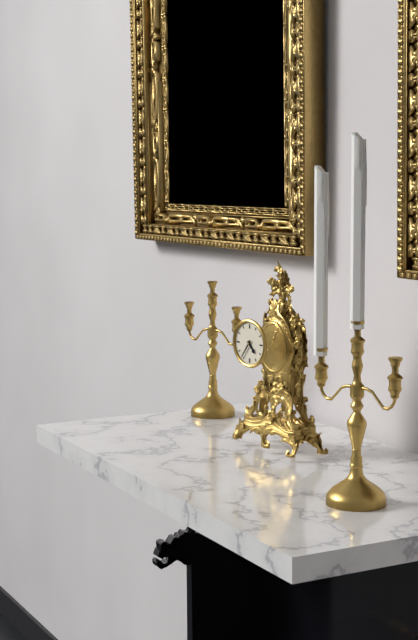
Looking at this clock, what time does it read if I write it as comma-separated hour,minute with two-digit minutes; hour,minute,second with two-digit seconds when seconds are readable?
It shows 4,36
